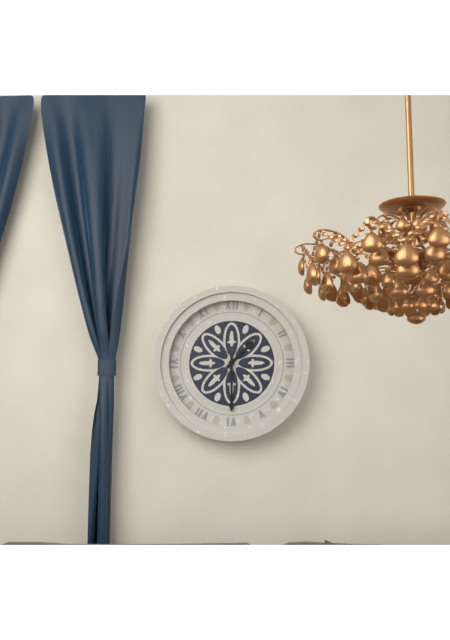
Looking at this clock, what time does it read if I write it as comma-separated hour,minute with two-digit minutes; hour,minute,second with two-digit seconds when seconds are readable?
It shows 1,30
